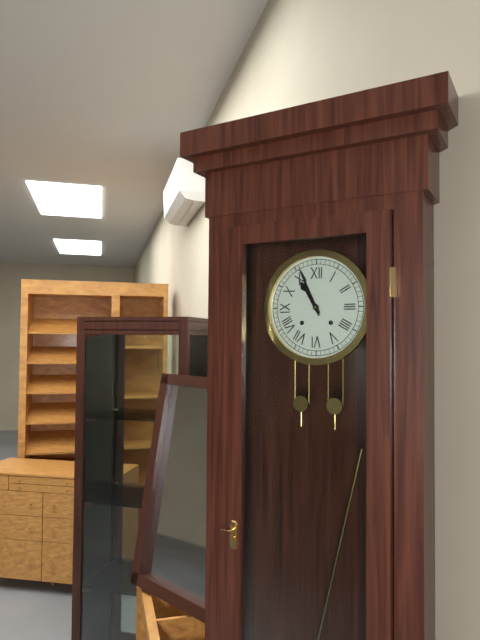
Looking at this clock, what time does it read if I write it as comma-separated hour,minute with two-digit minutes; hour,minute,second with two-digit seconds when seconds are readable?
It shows 10,56
